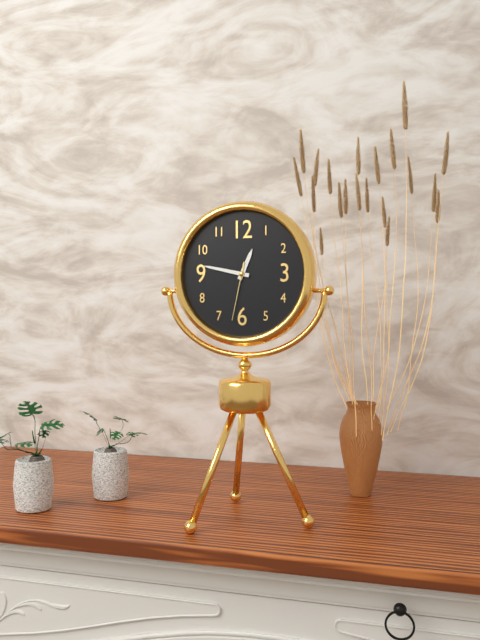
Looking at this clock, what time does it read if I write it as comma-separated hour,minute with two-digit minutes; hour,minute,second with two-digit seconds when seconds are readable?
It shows 12,47,32
